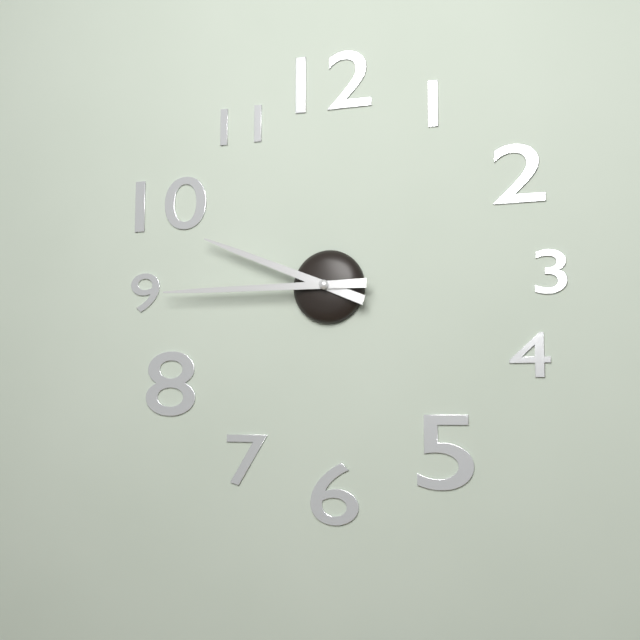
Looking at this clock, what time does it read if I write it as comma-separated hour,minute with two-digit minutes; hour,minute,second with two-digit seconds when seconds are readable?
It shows 9,45
